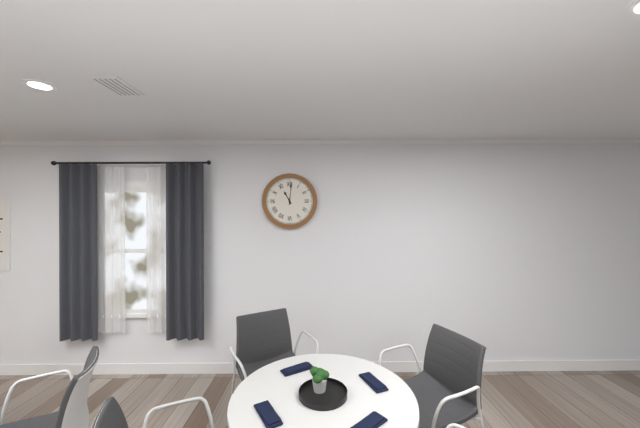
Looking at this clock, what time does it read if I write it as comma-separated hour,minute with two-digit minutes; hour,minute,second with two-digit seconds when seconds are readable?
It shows 11,01
